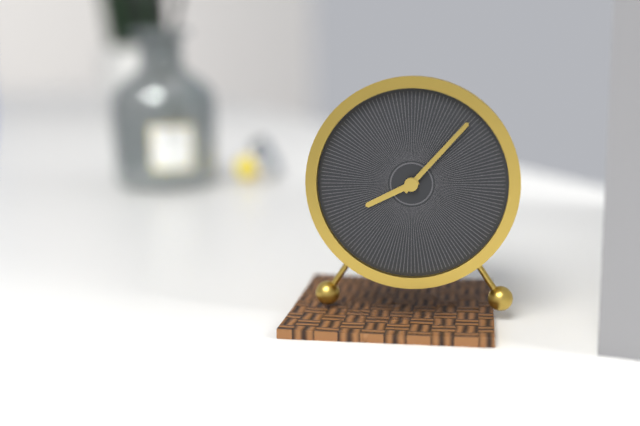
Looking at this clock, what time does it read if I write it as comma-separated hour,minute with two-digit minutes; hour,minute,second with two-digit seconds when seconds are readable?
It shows 8,07
